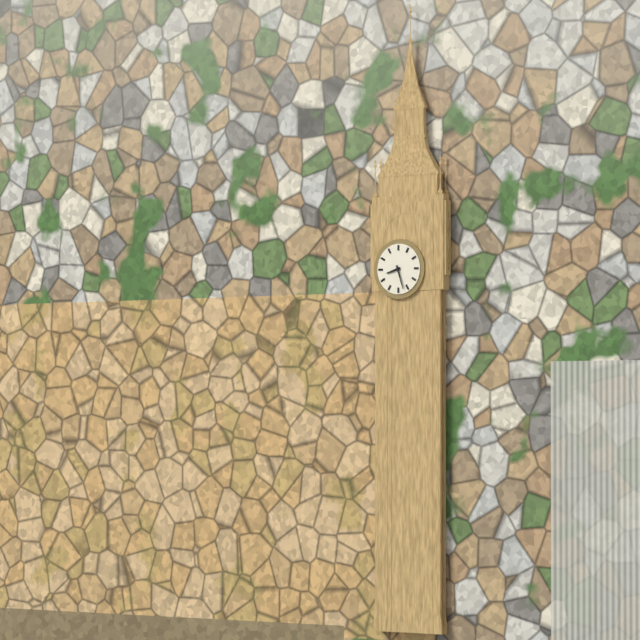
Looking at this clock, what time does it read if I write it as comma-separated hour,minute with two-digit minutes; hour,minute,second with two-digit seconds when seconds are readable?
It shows 8,27
